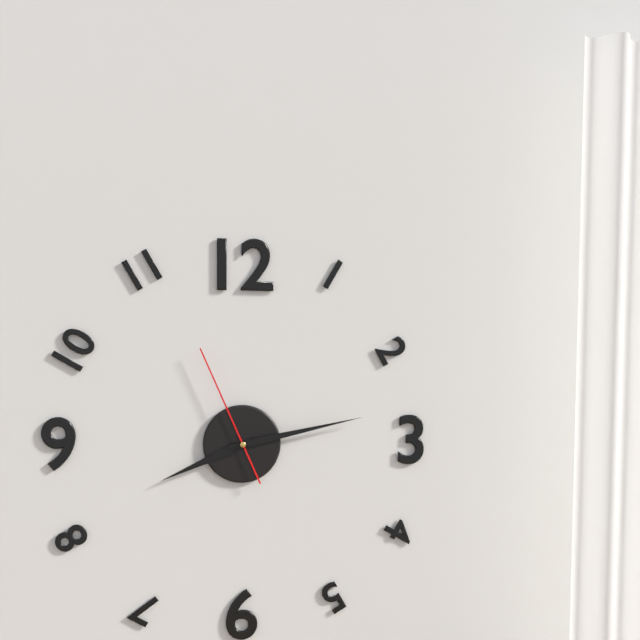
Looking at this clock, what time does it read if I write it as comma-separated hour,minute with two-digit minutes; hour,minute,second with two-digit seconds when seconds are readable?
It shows 8,13,56
